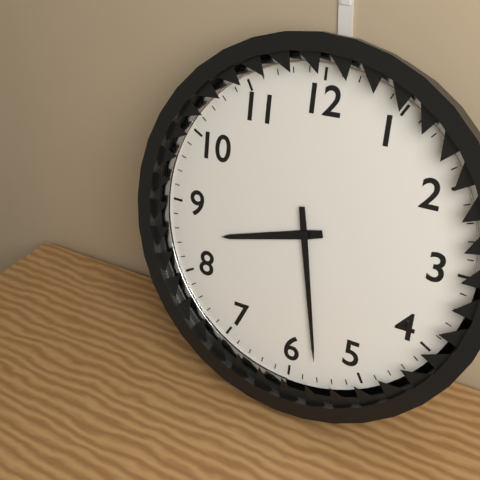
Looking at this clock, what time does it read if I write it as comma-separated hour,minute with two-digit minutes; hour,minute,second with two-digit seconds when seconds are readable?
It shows 8,28
